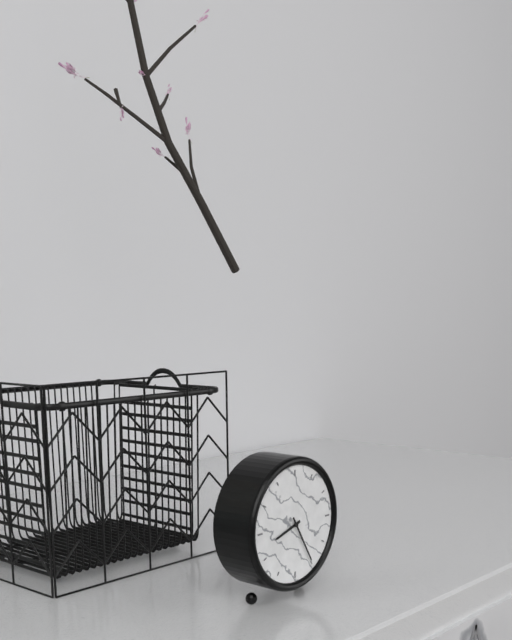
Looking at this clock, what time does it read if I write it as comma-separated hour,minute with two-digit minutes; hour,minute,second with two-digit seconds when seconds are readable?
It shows 8,25
